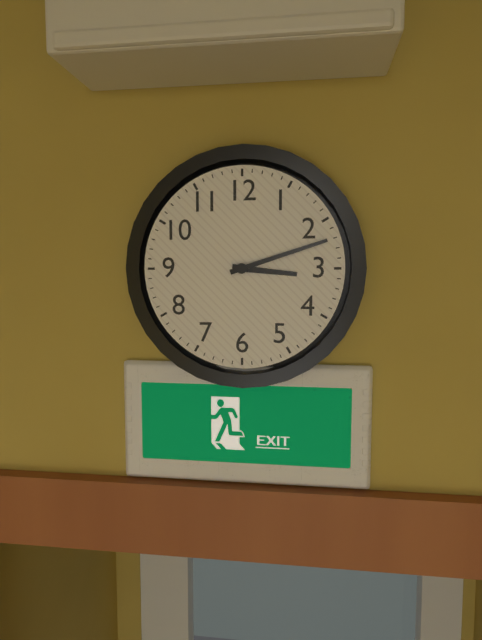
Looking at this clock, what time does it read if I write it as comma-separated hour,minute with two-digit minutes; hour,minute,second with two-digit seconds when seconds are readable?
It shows 3,12
